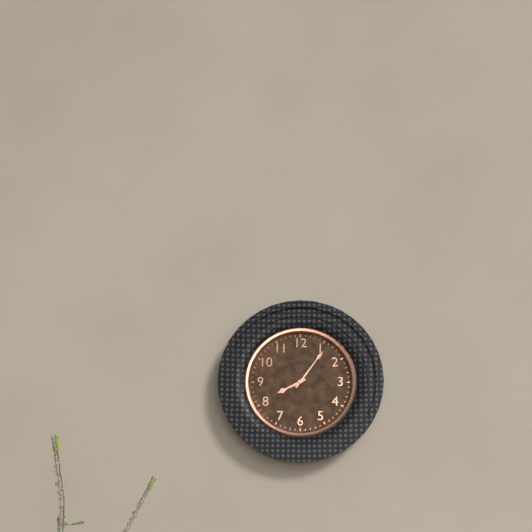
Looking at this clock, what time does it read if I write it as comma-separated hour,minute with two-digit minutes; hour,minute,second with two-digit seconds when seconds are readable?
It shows 8,06
